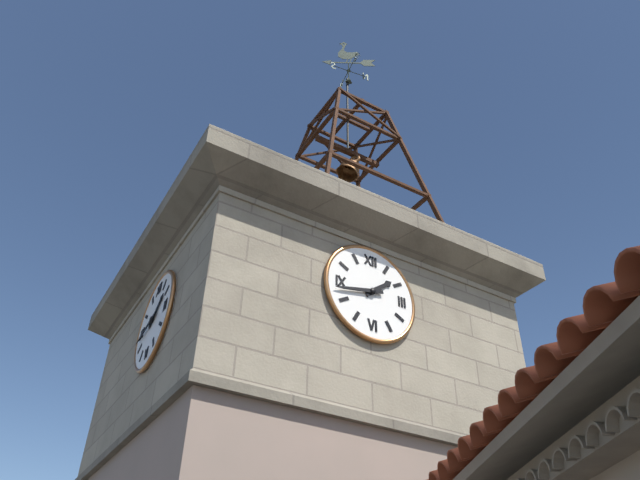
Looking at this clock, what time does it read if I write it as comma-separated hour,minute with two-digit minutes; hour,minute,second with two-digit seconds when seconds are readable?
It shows 1,43
